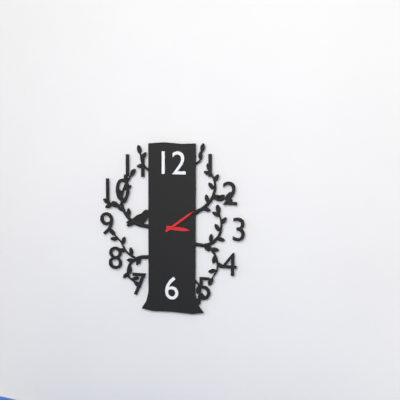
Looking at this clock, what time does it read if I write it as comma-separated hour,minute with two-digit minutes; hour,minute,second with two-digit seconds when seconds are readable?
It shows 3,09
